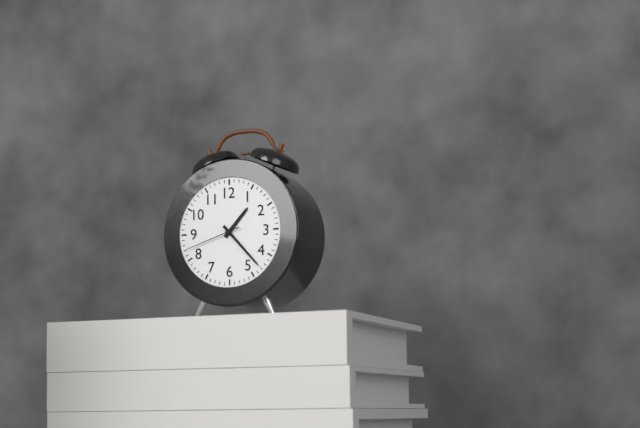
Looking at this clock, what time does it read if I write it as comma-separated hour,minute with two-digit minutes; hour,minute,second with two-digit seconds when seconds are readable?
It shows 1,23,42
